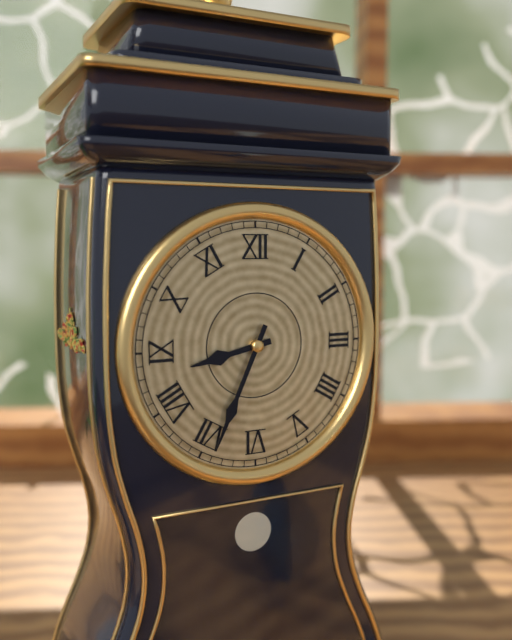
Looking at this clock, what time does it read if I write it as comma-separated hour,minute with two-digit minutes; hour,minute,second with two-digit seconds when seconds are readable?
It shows 8,34
